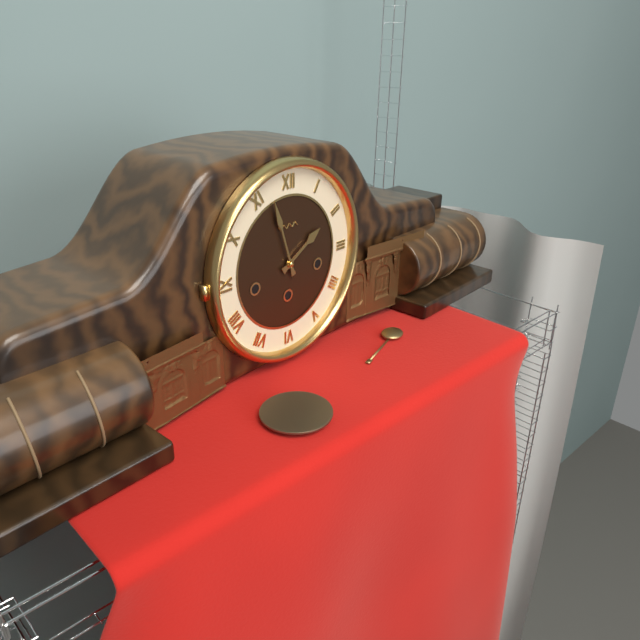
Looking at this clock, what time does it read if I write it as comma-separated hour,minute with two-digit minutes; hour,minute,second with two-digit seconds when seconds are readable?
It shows 1,57
